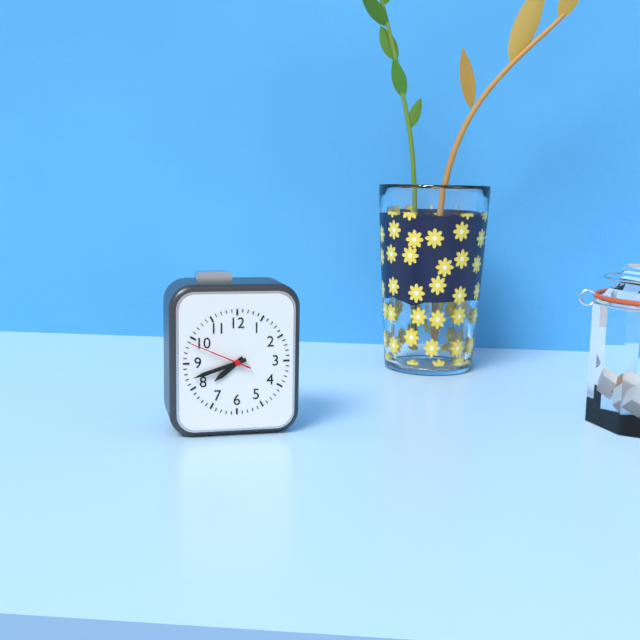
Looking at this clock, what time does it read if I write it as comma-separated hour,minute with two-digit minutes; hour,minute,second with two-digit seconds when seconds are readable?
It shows 7,42,49
